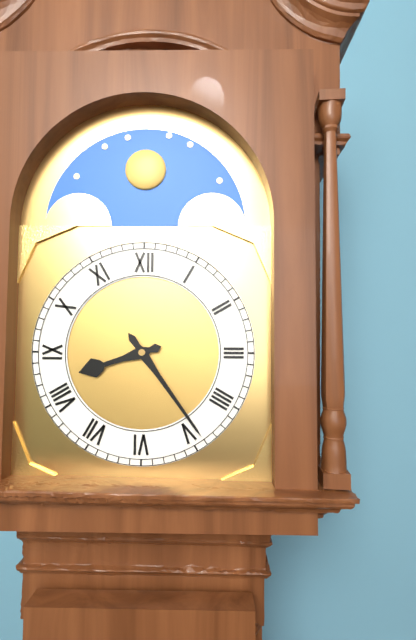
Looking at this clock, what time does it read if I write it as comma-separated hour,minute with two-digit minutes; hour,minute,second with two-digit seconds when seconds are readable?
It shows 8,24
